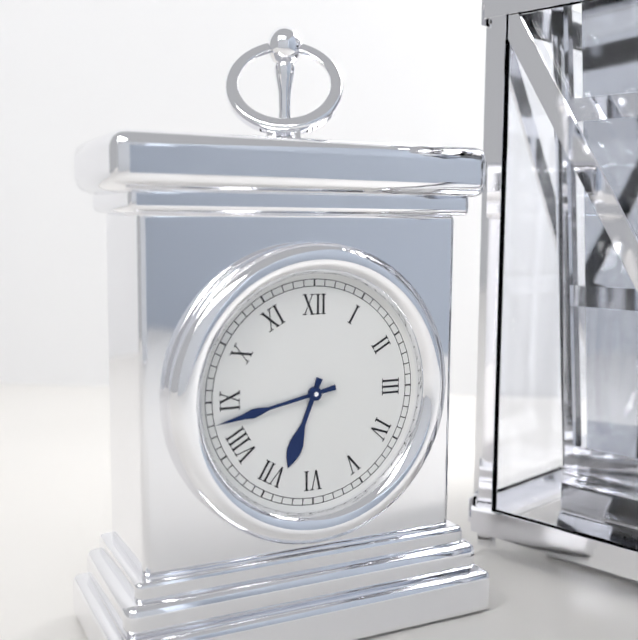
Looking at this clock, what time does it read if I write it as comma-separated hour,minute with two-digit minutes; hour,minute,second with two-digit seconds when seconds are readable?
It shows 6,43
